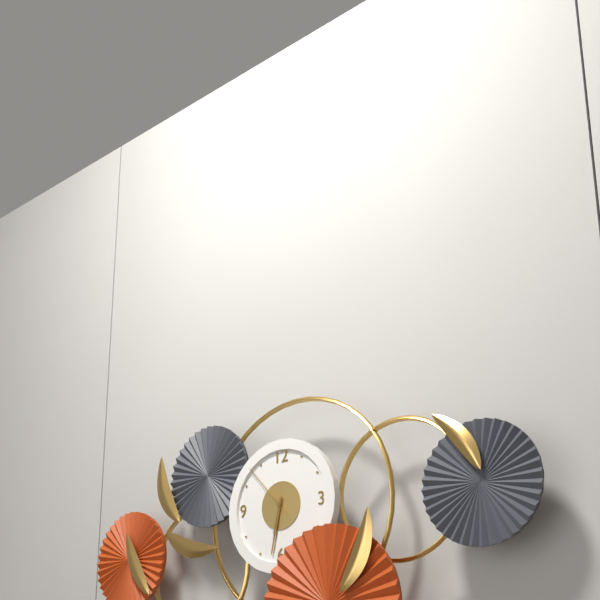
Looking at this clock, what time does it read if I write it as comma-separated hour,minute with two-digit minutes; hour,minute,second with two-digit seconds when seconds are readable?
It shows 6,32,53
